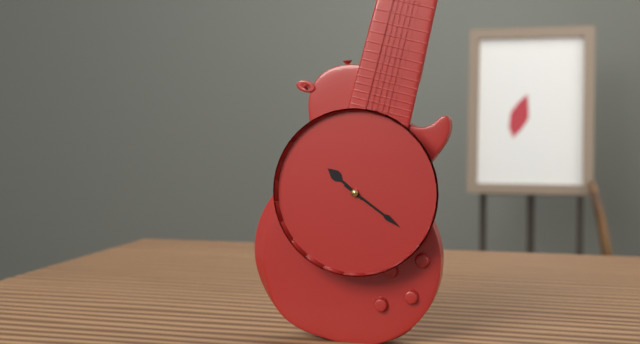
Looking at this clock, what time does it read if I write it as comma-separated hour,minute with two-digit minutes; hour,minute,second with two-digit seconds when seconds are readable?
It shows 10,21
